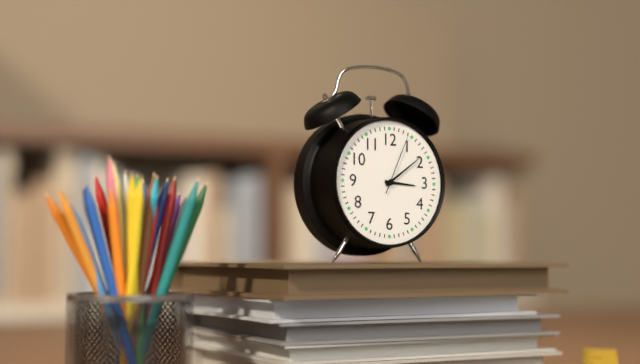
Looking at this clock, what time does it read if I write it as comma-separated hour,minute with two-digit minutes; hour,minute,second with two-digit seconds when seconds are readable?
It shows 3,09,04
